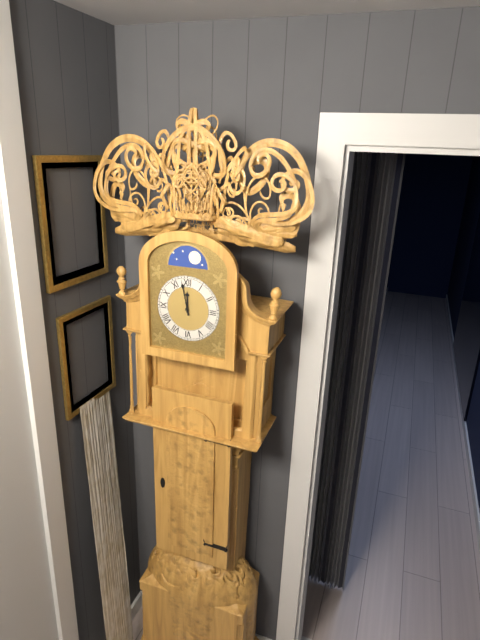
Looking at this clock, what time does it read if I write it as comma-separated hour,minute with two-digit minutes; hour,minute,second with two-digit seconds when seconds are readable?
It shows 11,58
